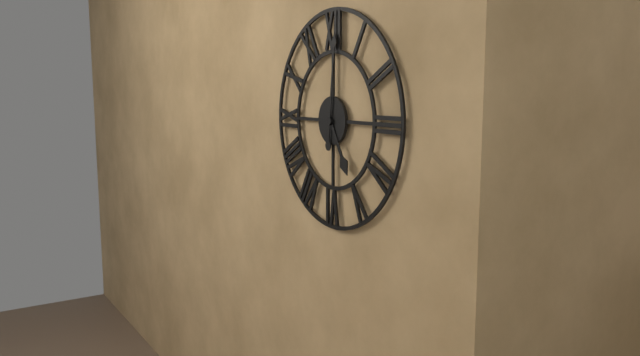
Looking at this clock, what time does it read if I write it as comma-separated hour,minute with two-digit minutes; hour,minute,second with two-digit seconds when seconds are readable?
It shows 5,01
